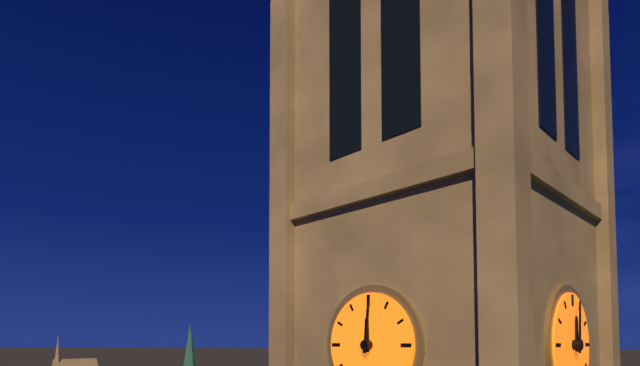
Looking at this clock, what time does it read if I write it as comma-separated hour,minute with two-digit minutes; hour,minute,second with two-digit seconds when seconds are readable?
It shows 12,01
